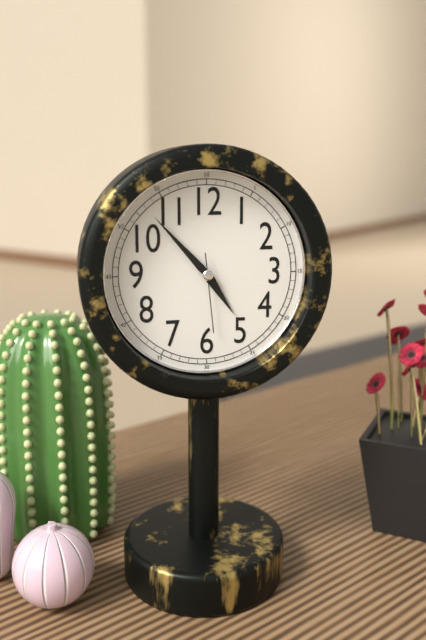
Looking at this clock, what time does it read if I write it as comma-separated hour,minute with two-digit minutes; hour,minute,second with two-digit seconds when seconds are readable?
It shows 4,53,29
